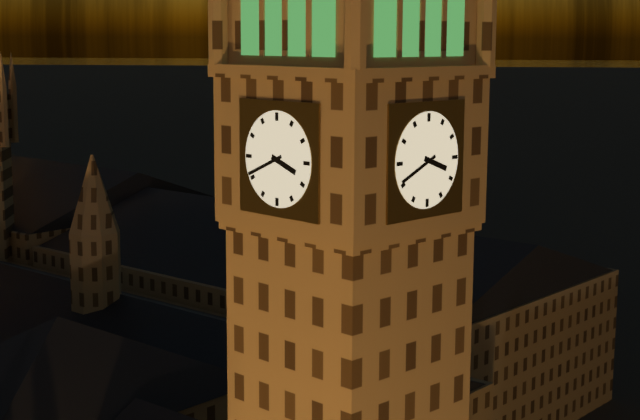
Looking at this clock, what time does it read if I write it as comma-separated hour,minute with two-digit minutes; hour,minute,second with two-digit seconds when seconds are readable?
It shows 3,41
